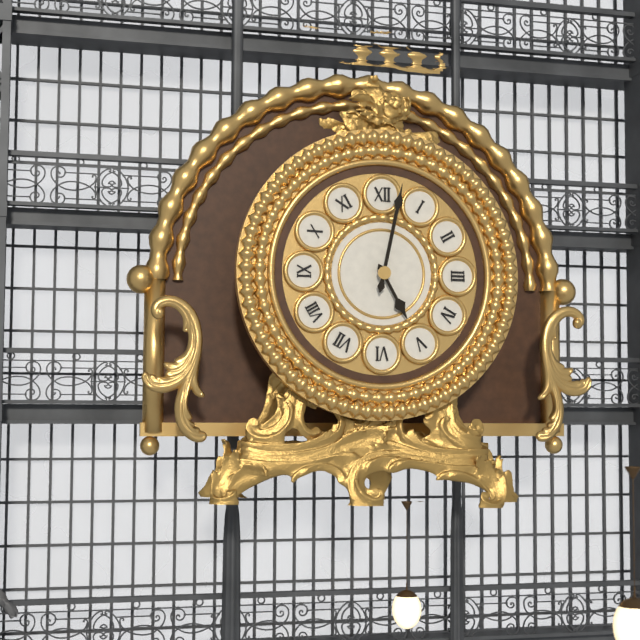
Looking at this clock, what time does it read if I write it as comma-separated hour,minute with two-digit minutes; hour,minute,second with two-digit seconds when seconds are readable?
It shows 5,02
